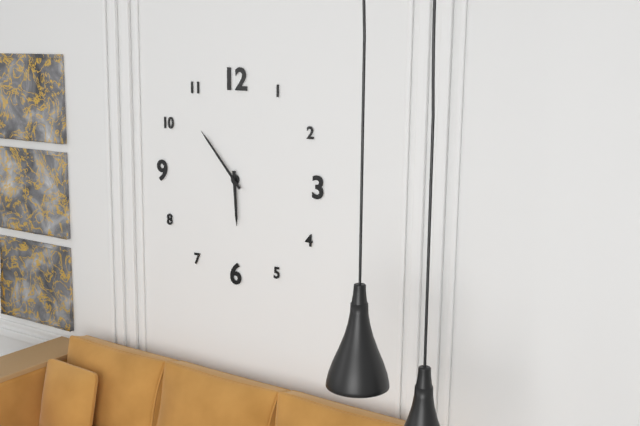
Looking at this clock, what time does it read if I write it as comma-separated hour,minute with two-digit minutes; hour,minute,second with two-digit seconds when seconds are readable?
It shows 5,53
